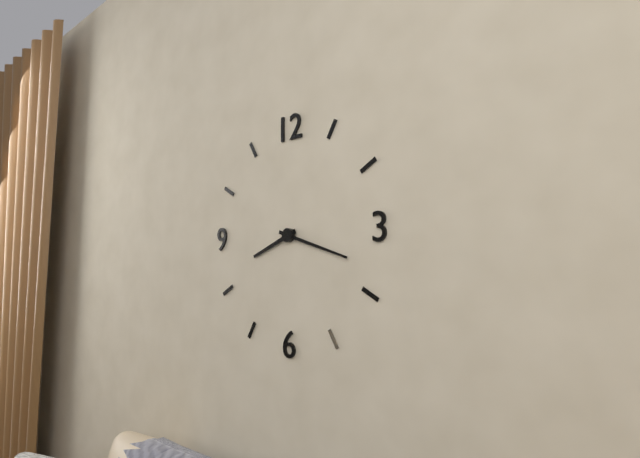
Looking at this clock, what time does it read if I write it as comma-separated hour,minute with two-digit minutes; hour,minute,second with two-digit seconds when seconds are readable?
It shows 8,18
